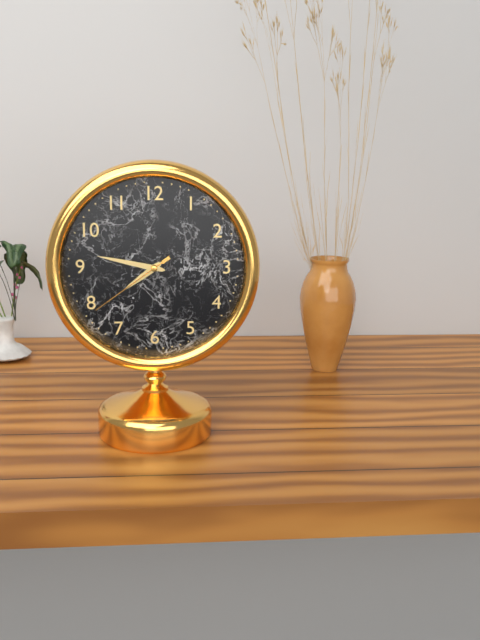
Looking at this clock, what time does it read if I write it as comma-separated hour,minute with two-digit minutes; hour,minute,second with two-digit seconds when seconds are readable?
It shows 7,47,39
